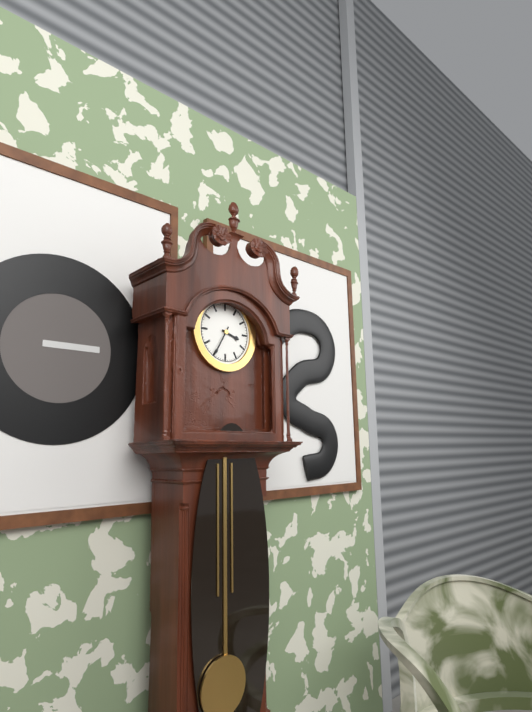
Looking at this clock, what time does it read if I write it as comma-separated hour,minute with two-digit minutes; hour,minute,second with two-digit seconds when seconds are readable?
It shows 3,35
